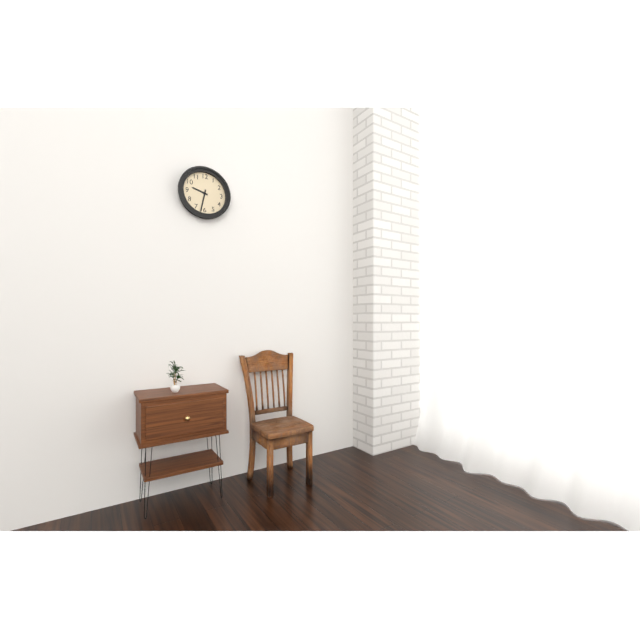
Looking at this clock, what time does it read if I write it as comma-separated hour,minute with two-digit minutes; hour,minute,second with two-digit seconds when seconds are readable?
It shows 9,32
